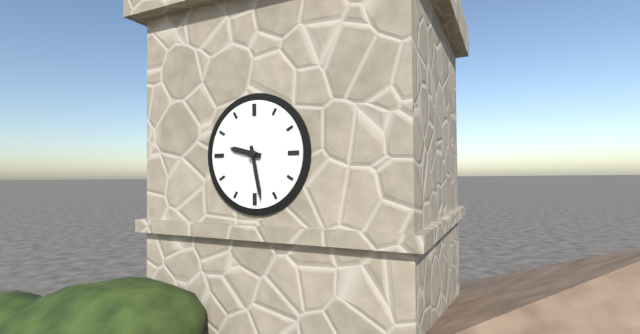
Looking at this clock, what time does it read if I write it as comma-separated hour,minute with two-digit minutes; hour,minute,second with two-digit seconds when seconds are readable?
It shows 9,28
